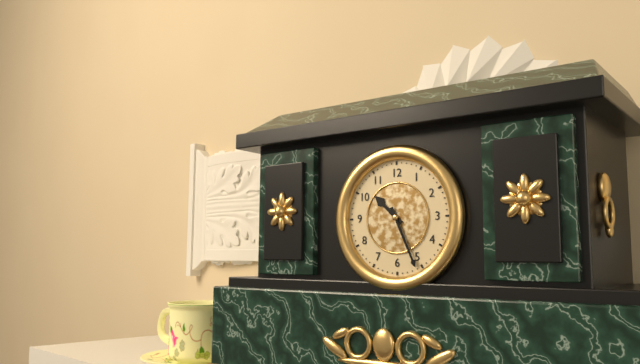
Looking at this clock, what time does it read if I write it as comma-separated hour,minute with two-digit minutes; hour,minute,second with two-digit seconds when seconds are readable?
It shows 10,26
